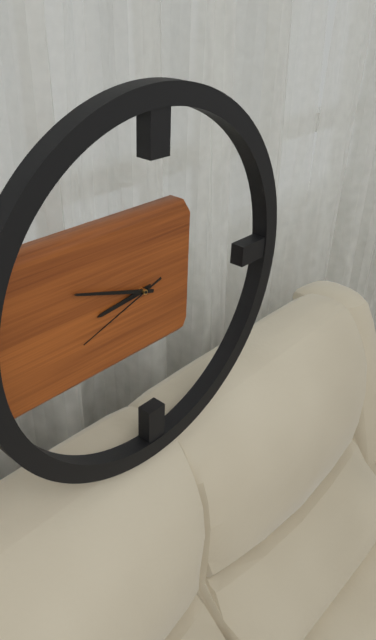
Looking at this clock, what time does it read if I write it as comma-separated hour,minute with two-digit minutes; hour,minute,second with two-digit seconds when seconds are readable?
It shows 8,48,42
